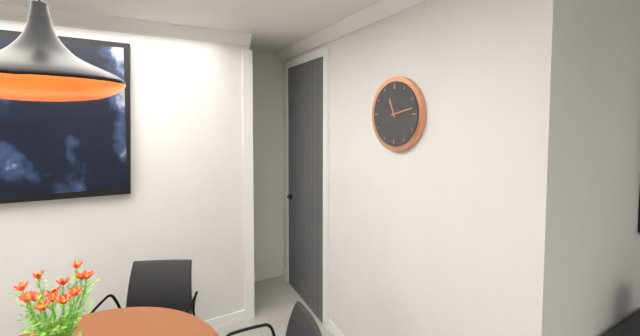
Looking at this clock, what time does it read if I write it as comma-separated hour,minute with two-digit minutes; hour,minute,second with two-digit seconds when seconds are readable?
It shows 11,13
